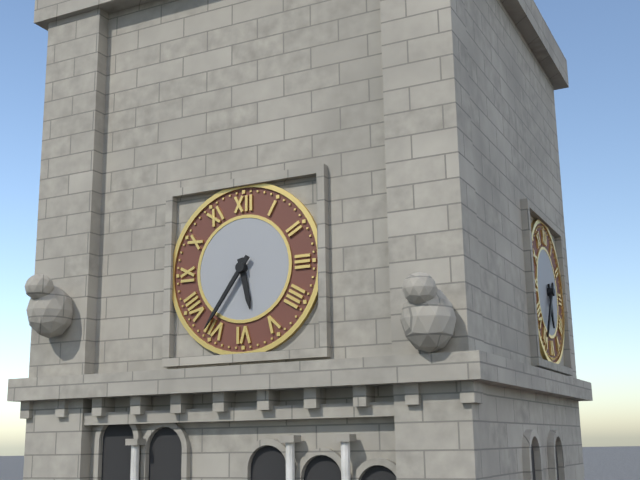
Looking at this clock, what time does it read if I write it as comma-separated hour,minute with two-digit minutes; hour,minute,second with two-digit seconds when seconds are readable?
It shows 5,36
